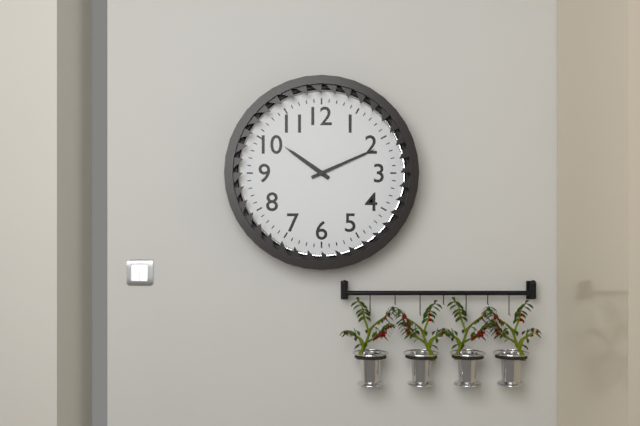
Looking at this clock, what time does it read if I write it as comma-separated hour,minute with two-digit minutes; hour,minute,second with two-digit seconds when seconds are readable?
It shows 10,11
